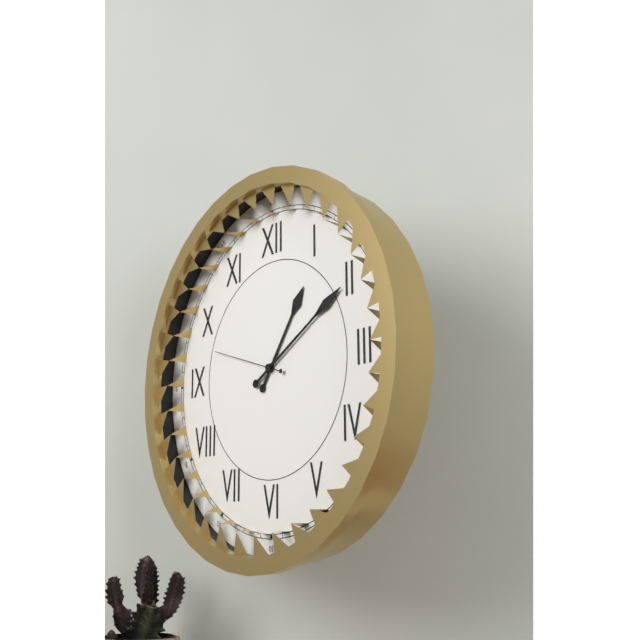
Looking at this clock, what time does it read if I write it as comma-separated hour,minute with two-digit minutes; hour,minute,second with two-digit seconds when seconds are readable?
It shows 1,10,48
